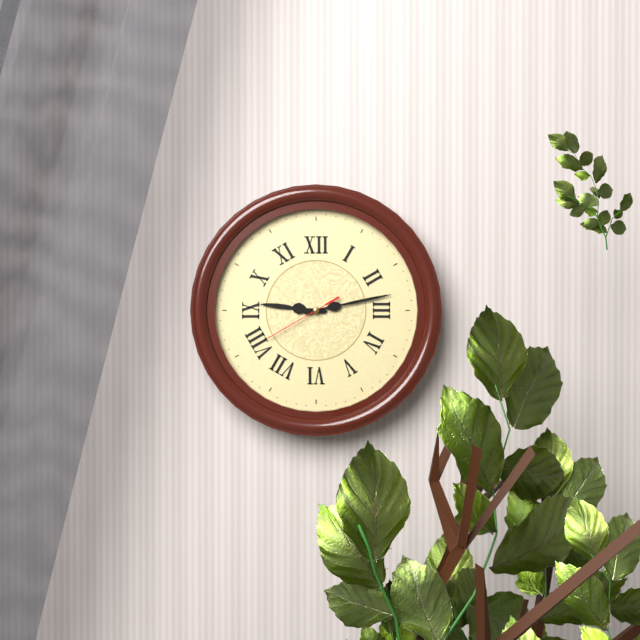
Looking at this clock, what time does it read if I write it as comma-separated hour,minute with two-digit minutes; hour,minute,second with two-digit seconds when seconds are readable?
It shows 9,13,40
